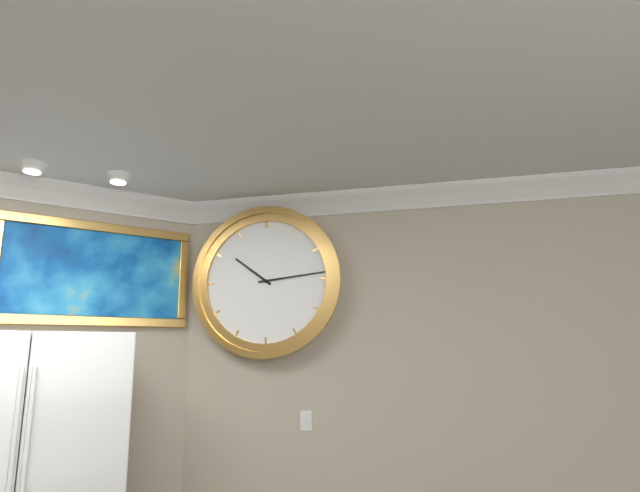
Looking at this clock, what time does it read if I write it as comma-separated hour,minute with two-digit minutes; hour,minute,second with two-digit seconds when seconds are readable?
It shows 10,14
